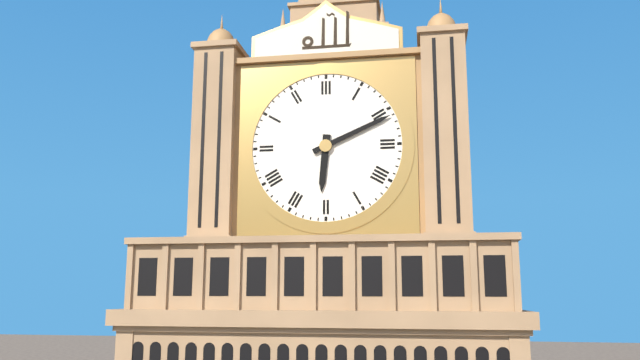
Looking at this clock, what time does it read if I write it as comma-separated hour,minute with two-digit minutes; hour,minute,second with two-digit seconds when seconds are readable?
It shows 6,11
